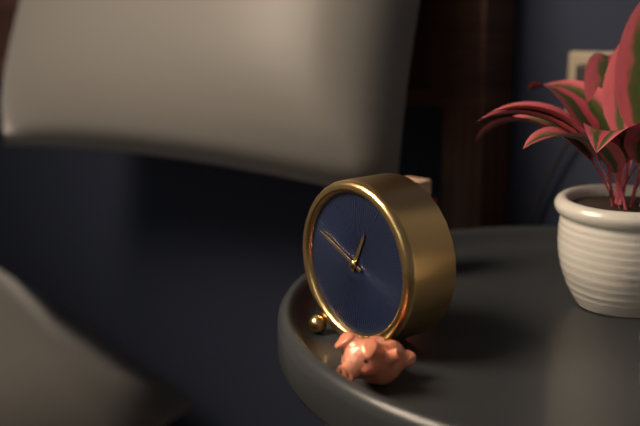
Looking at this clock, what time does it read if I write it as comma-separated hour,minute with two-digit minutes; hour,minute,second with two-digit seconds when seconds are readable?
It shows 12,49
